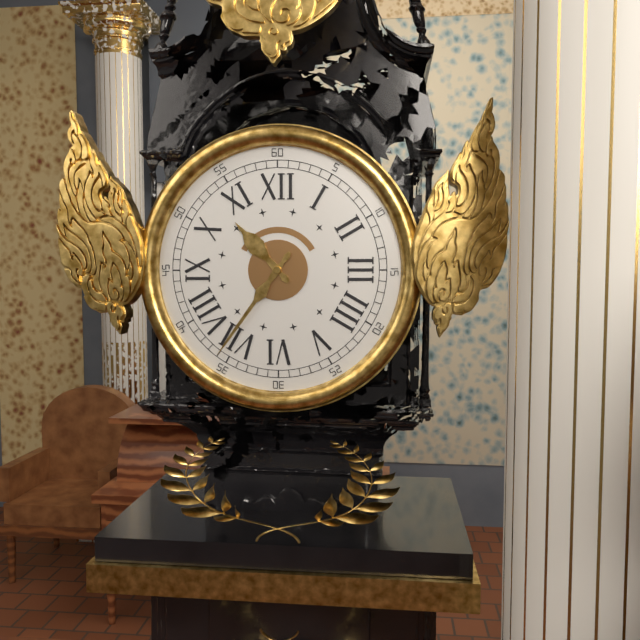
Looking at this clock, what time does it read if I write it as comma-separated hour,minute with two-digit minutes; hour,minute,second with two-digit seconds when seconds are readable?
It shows 10,36
